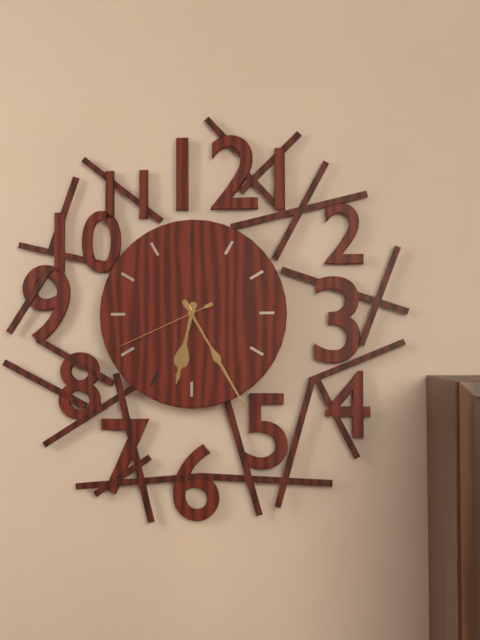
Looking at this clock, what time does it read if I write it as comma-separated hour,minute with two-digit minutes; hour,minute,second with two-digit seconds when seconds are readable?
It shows 6,25,41
